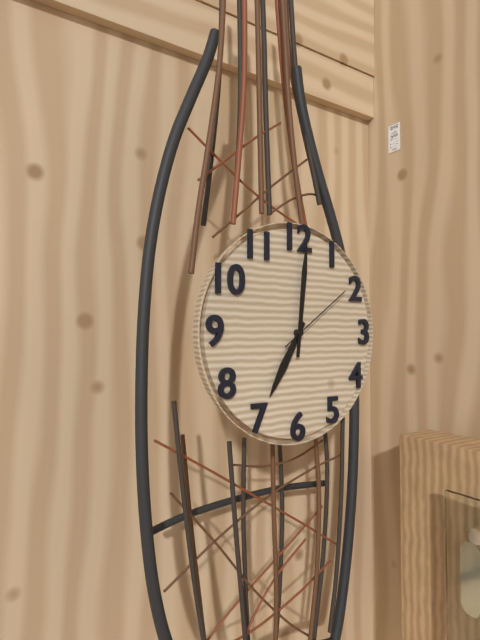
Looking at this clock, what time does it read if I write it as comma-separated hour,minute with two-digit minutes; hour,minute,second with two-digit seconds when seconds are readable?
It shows 7,01,09
